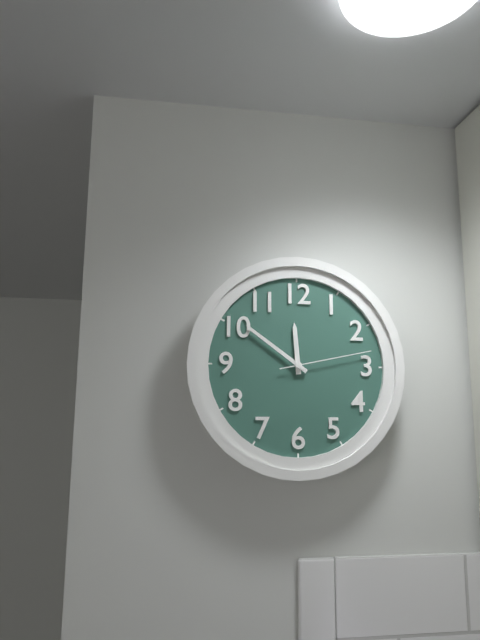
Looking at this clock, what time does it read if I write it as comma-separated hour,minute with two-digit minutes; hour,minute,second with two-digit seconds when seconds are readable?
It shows 11,51,13
